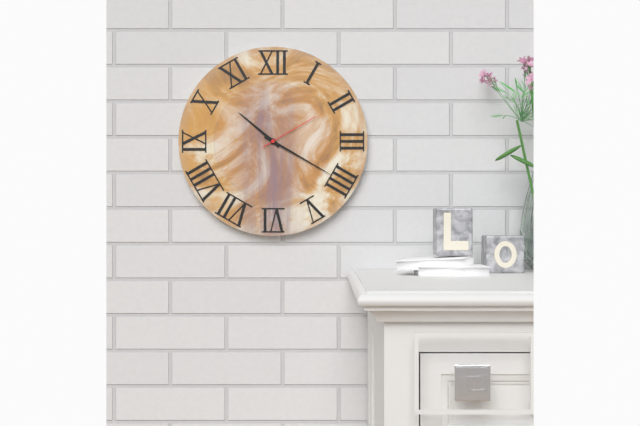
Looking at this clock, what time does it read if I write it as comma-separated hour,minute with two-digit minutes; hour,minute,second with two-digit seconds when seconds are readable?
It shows 10,20,10
